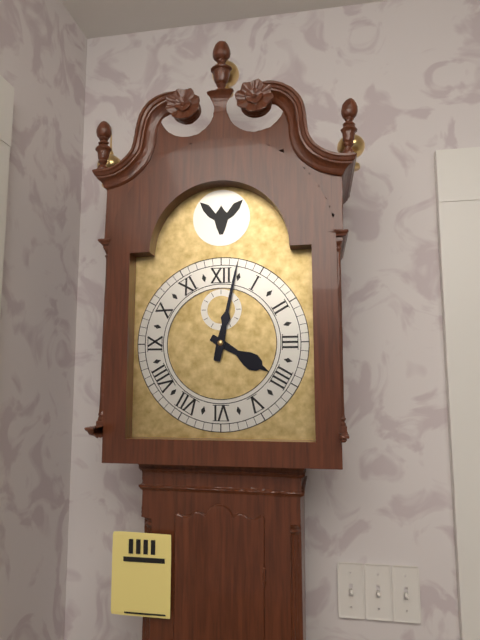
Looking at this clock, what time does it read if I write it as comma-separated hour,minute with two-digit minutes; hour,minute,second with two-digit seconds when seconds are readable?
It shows 4,02
